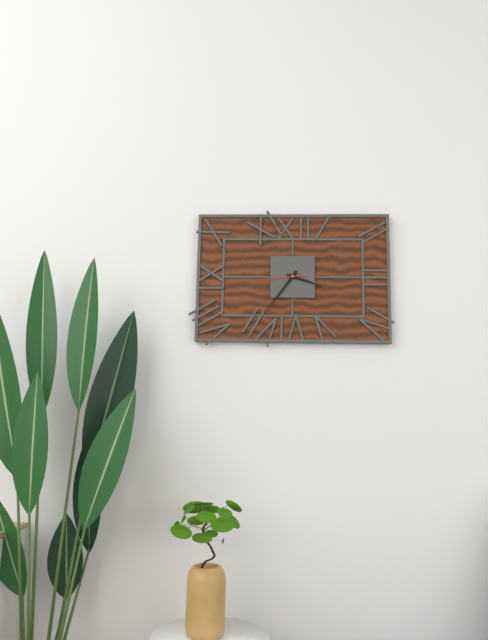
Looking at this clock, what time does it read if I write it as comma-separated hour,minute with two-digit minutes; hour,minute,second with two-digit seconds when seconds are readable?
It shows 3,36
